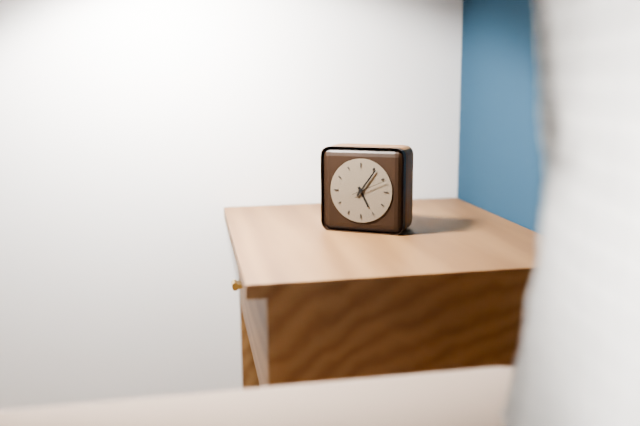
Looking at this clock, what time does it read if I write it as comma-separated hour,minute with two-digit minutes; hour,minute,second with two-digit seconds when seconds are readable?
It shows 5,06
